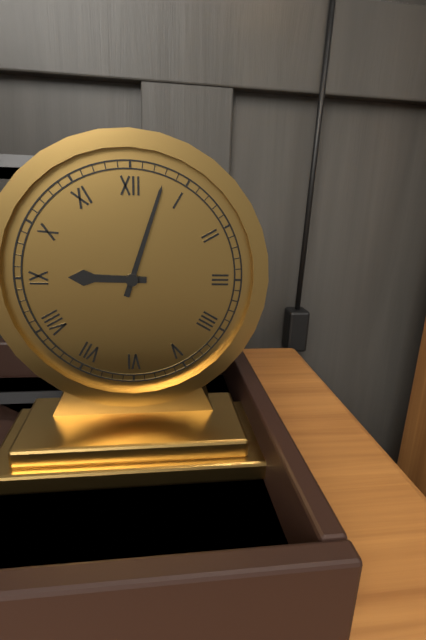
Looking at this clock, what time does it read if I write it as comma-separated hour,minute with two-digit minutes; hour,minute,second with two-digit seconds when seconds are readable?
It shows 9,03
